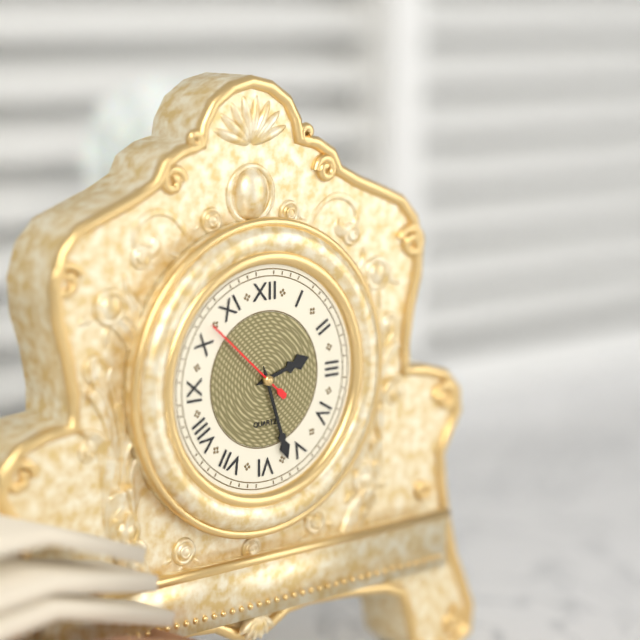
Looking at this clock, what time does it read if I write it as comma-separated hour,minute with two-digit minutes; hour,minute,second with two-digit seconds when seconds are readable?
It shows 2,27,52
